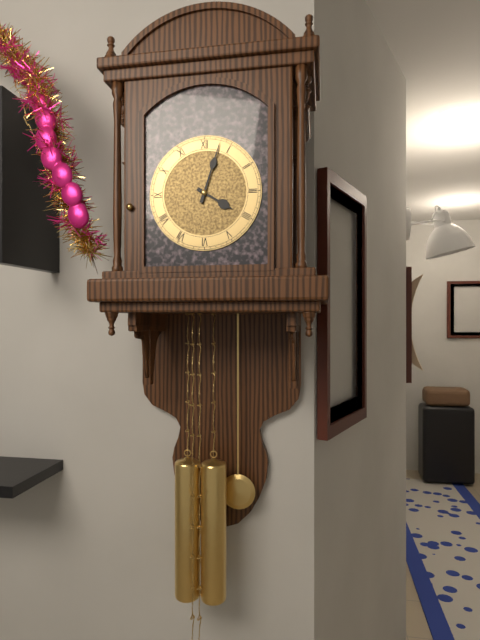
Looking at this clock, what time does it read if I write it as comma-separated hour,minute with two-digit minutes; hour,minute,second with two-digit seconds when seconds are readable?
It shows 4,03
